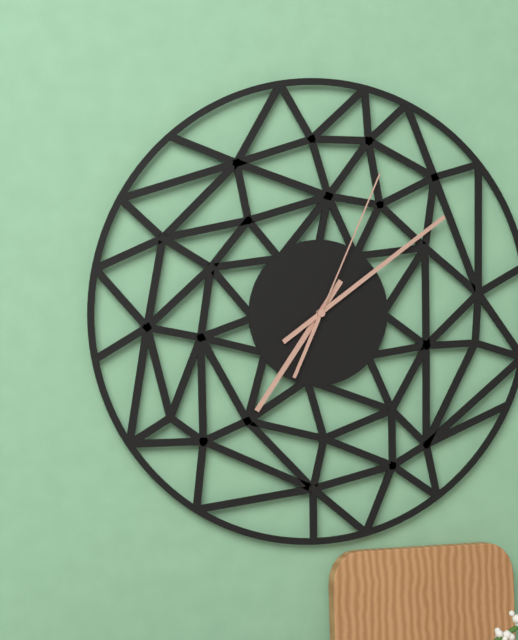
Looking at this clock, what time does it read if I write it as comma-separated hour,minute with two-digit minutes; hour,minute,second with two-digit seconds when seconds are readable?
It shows 7,09,04
